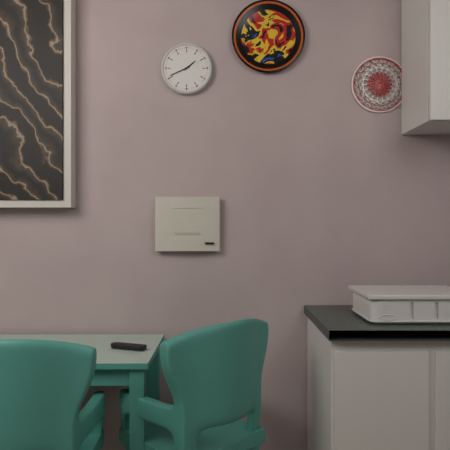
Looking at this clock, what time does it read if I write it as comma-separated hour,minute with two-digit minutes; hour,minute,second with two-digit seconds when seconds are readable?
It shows 1,41
